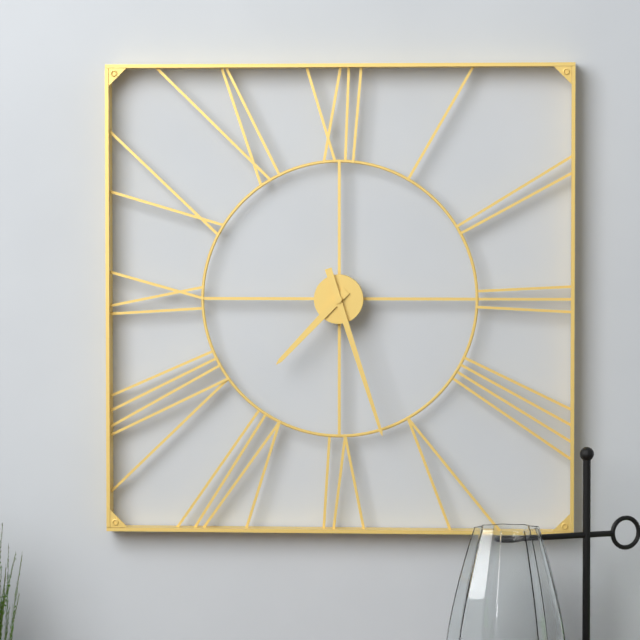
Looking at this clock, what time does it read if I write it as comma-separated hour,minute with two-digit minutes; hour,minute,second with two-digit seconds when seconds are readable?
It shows 7,27
